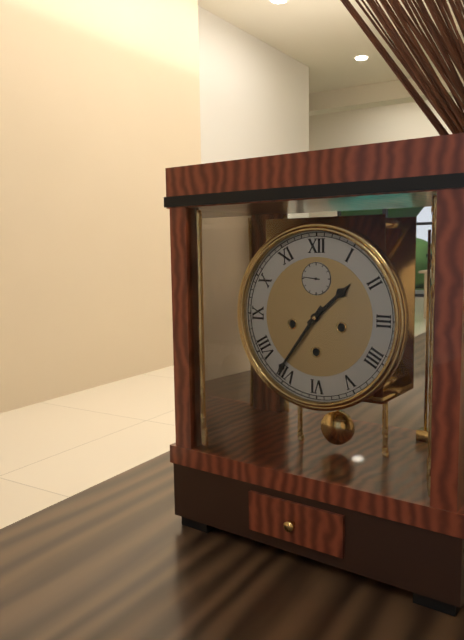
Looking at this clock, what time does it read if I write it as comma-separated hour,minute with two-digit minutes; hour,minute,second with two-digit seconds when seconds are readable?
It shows 1,36
